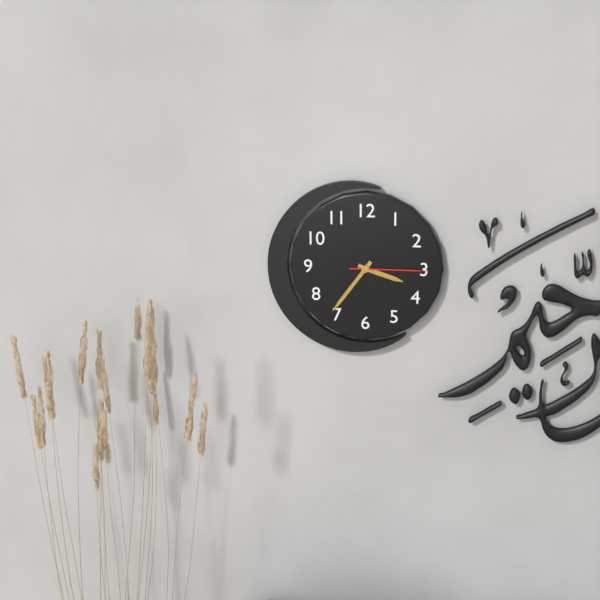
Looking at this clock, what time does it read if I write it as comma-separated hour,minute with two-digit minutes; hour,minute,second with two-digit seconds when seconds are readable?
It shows 3,36,15
